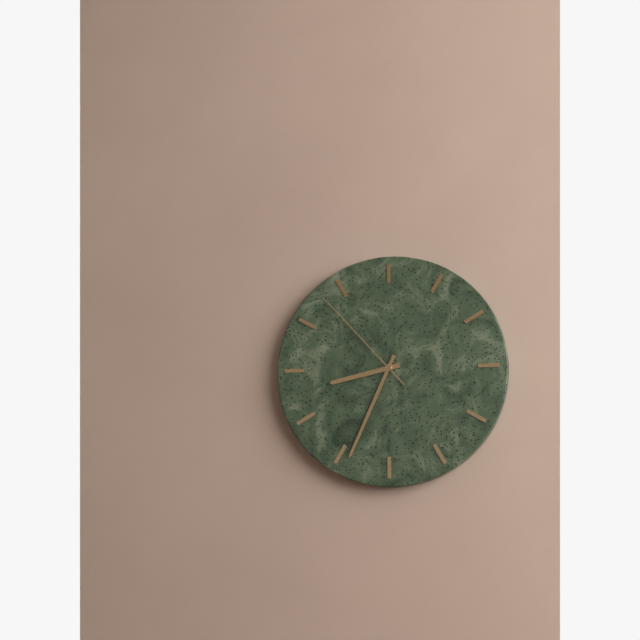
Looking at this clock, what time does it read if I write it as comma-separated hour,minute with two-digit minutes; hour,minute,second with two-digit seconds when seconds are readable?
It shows 8,34,53
